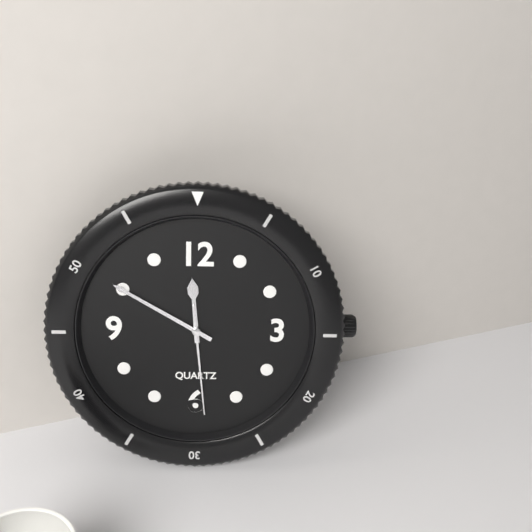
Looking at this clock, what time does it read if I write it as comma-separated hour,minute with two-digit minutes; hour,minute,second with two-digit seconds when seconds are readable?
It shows 11,50,29
